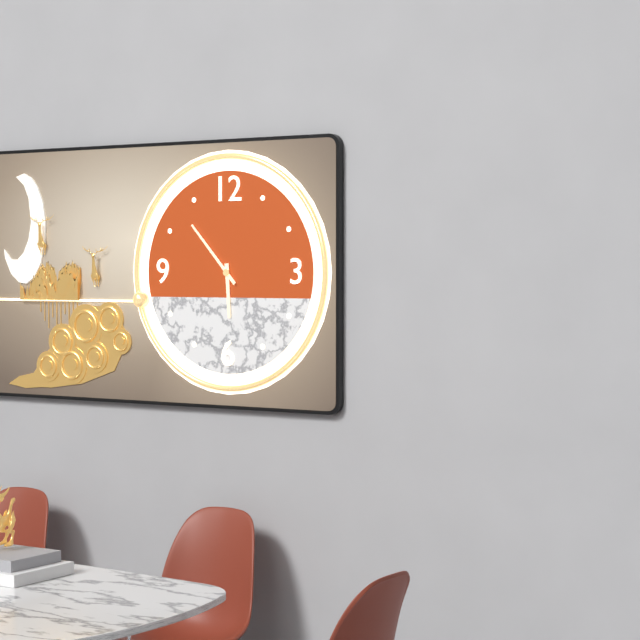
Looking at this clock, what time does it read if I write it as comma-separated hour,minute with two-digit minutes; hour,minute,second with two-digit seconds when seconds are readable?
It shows 5,53
